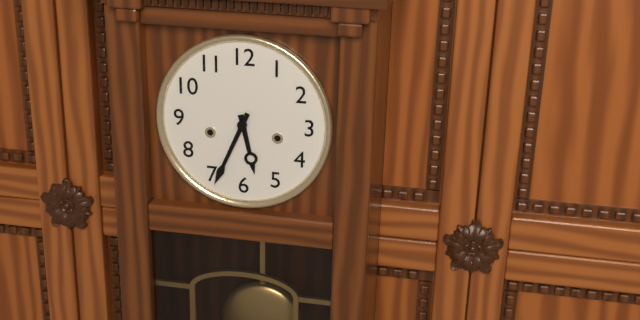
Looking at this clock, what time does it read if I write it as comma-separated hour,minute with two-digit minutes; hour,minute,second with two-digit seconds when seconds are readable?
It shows 5,34
